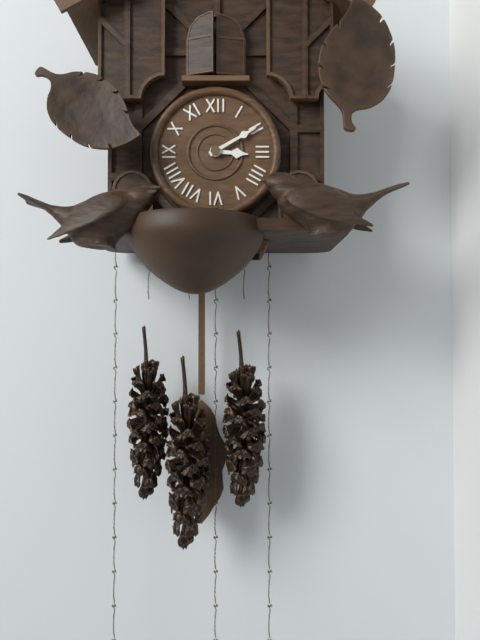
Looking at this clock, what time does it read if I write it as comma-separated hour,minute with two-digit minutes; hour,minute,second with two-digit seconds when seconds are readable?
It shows 3,10
